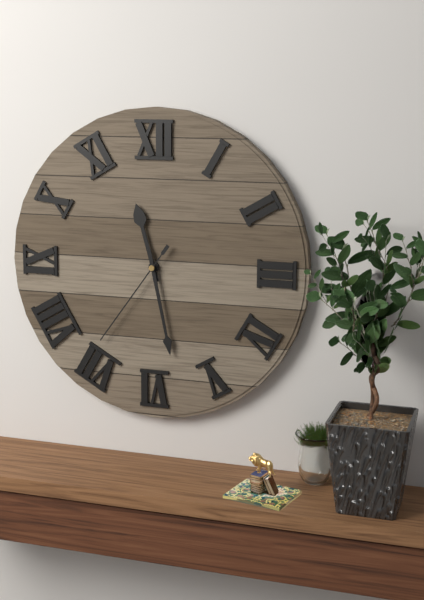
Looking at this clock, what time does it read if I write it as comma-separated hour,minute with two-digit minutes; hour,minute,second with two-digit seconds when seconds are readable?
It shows 11,28,36
